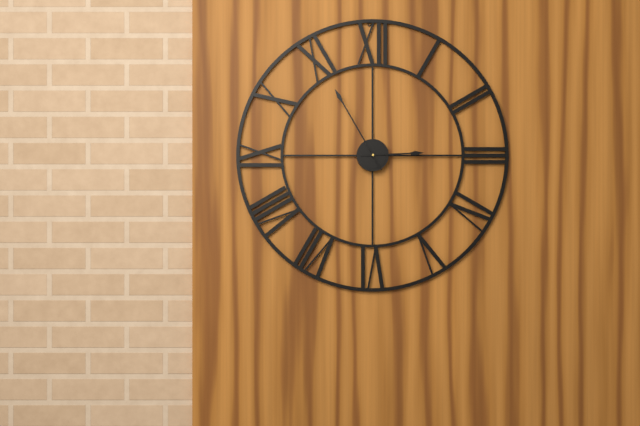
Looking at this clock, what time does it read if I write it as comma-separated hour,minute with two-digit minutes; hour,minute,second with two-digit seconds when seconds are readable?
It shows 2,55
